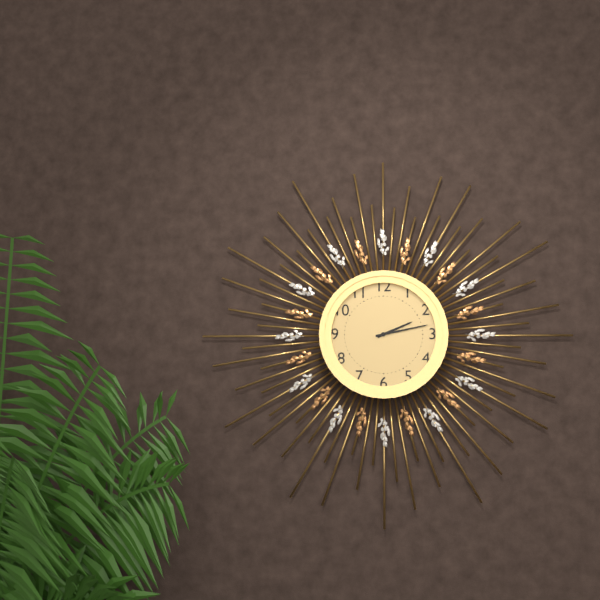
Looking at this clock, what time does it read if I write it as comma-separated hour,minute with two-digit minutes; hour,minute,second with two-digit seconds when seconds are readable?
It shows 2,13
